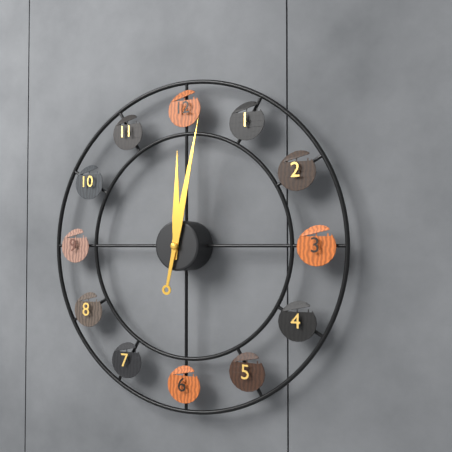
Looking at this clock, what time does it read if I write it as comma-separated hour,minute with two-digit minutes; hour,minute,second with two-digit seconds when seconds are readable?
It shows 12,02
